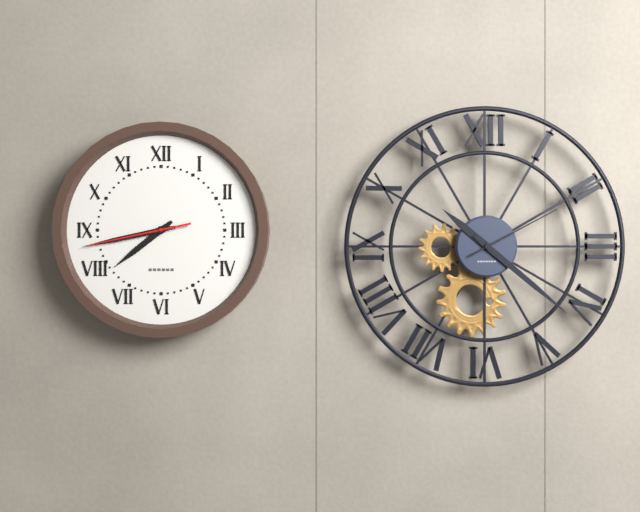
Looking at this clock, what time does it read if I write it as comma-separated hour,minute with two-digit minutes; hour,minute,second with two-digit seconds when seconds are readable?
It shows 7,43,43
